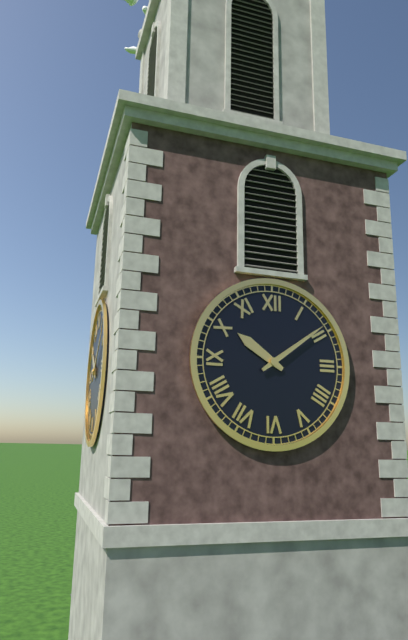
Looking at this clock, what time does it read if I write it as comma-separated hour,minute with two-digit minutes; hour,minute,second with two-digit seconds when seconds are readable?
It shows 10,09
